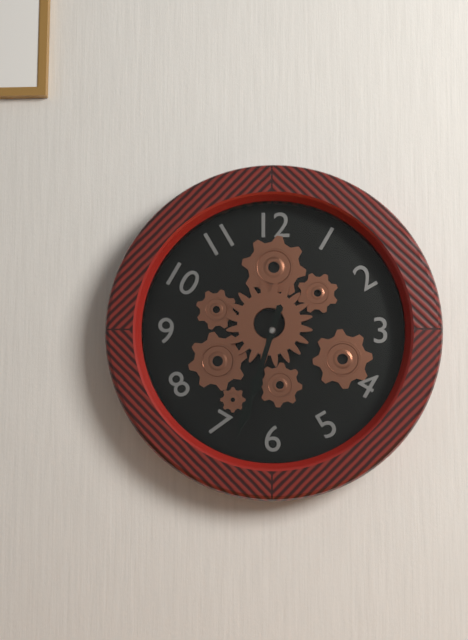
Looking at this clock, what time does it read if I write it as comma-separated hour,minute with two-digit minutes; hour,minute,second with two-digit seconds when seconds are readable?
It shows 6,33
